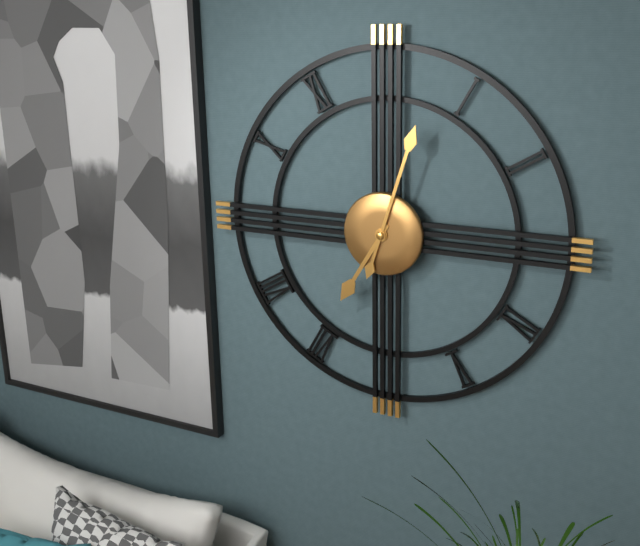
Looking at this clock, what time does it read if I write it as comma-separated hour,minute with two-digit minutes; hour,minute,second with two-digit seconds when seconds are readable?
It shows 7,03
